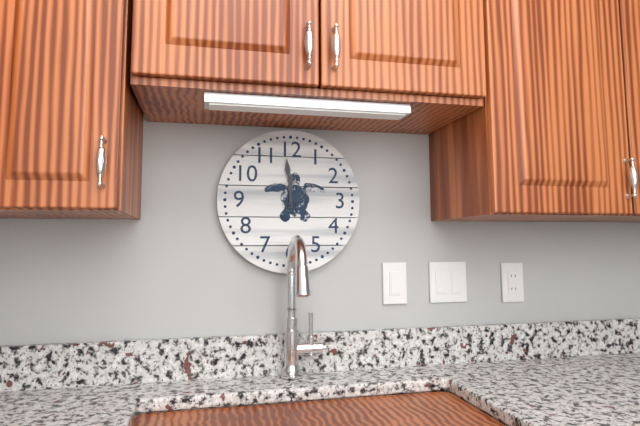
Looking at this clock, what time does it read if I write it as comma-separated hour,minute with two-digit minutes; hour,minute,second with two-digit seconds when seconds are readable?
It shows 11,59
